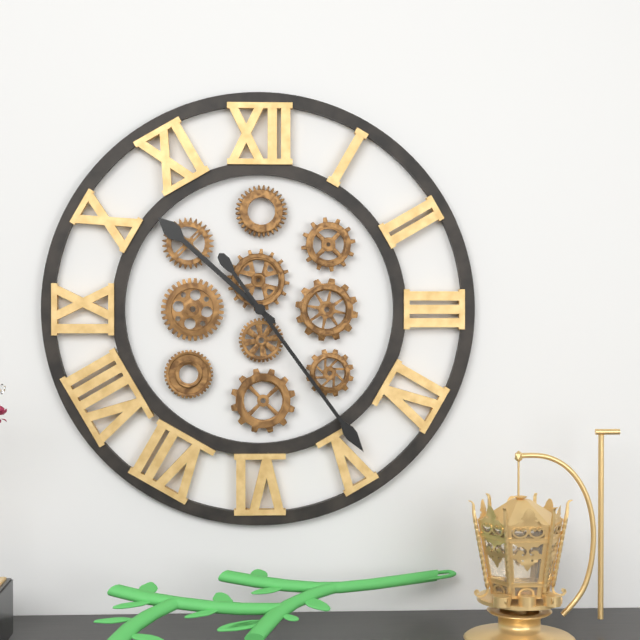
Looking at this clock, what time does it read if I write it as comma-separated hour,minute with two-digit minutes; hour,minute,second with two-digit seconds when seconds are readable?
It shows 10,24
